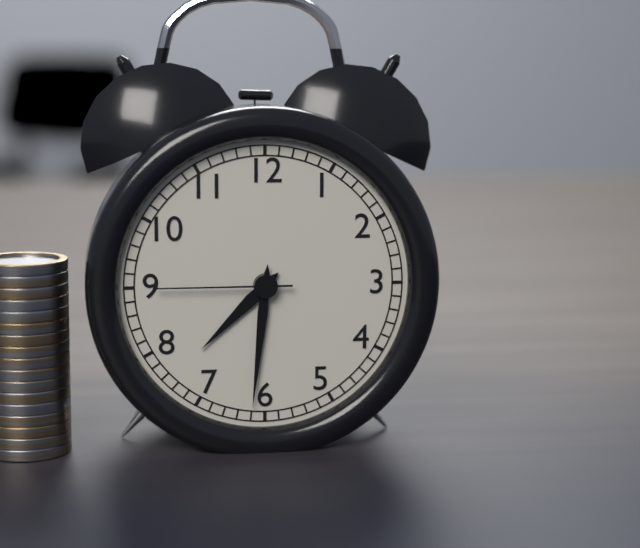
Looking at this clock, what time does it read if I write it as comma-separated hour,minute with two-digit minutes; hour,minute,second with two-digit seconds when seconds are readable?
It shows 7,31,45
